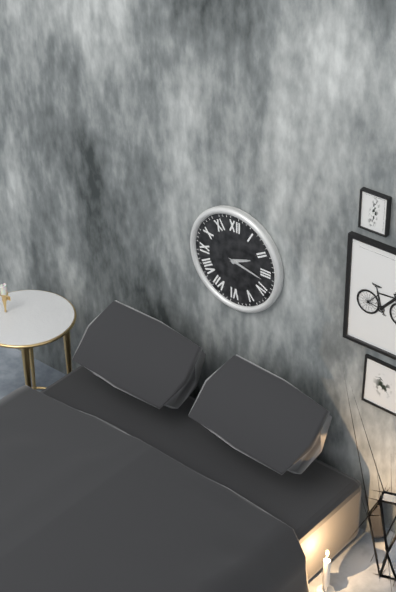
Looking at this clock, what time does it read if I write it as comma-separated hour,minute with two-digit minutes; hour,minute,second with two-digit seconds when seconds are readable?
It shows 2,17
